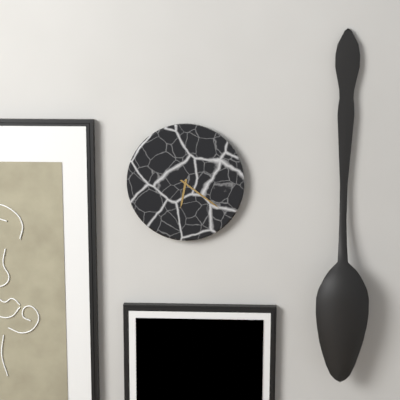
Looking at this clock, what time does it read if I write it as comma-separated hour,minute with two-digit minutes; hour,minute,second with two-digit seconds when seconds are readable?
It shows 6,21
